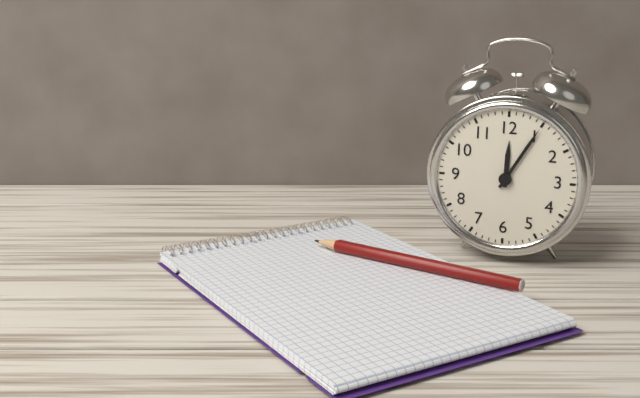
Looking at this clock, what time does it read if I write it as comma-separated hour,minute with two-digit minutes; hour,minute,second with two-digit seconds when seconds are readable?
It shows 12,05
